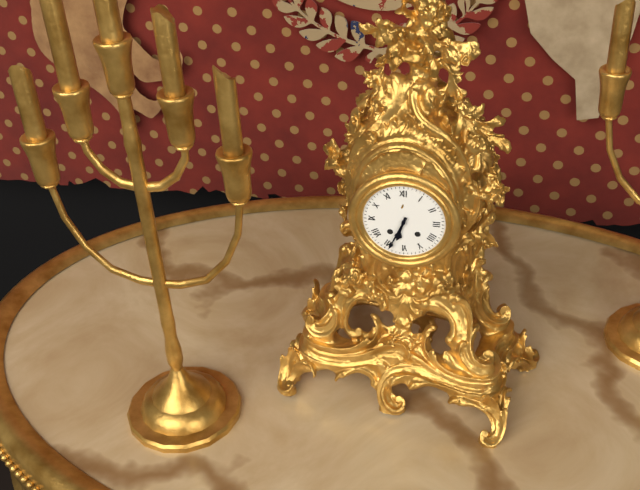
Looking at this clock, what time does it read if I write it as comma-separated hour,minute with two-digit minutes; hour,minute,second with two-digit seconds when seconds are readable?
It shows 6,34
